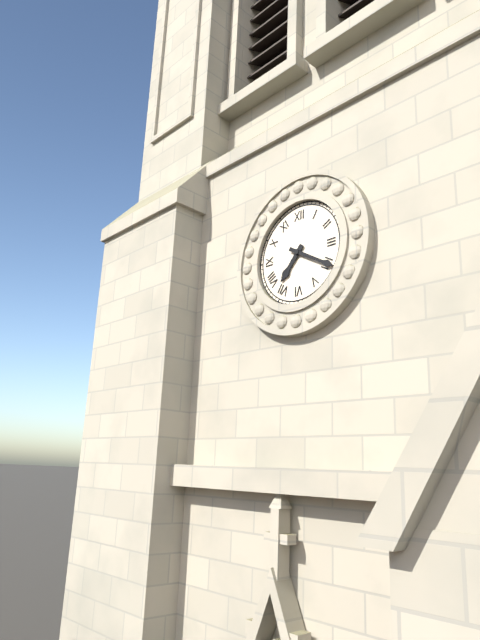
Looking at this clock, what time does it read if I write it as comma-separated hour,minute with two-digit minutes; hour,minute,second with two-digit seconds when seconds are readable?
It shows 7,20
